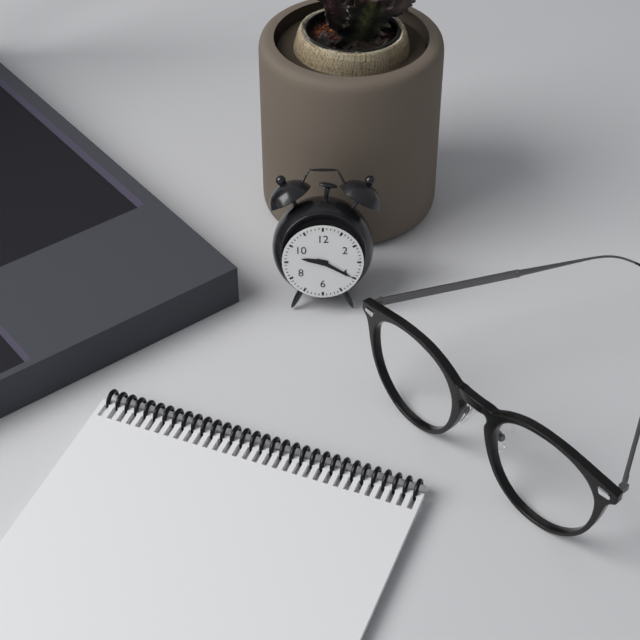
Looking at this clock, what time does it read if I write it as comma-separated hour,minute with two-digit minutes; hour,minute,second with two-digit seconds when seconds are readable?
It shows 9,20
